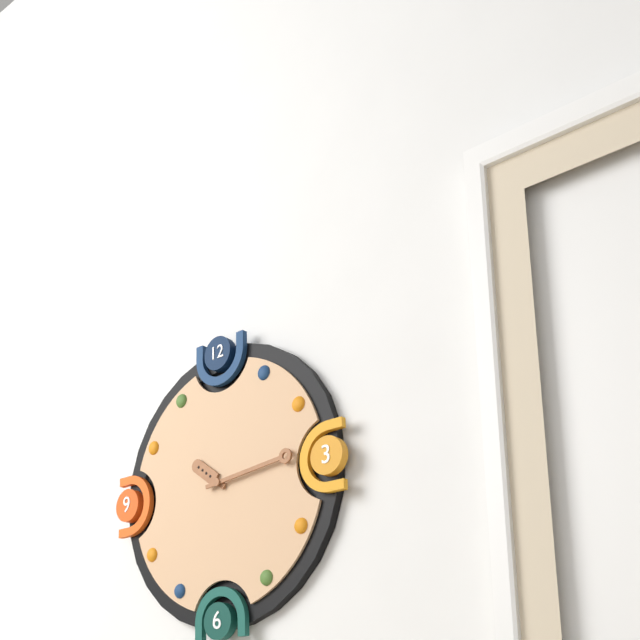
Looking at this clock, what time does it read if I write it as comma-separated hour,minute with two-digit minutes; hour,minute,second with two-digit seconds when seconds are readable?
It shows 10,14
